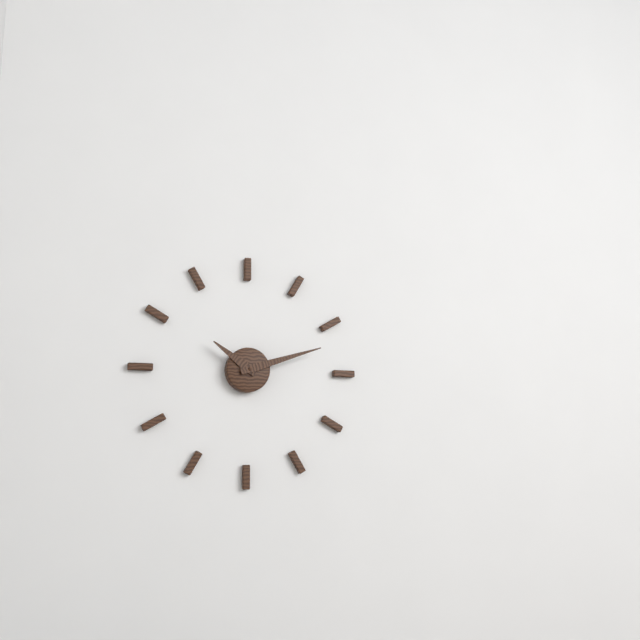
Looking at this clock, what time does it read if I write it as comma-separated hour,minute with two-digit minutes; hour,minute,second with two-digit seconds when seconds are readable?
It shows 10,12
